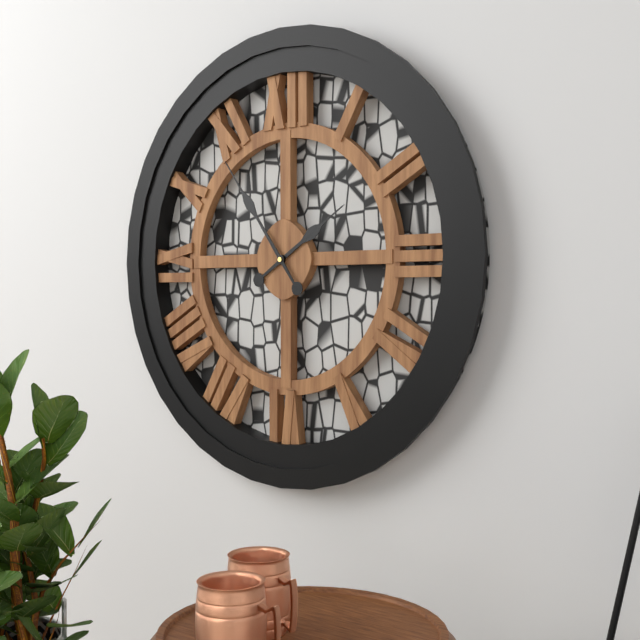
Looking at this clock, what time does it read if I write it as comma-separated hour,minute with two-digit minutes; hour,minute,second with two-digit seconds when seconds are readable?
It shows 1,54
